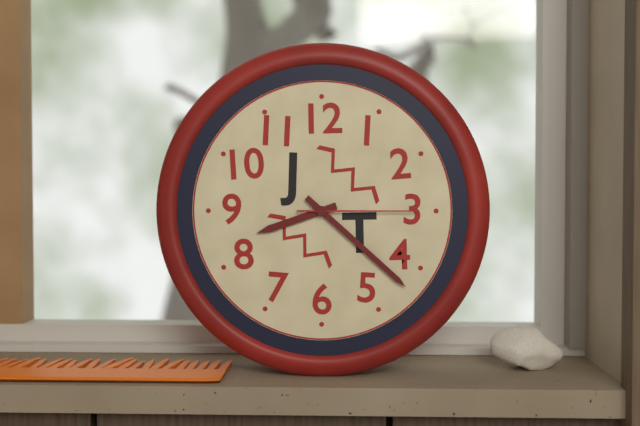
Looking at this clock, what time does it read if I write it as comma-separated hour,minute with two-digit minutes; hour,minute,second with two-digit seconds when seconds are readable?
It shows 8,22,15
